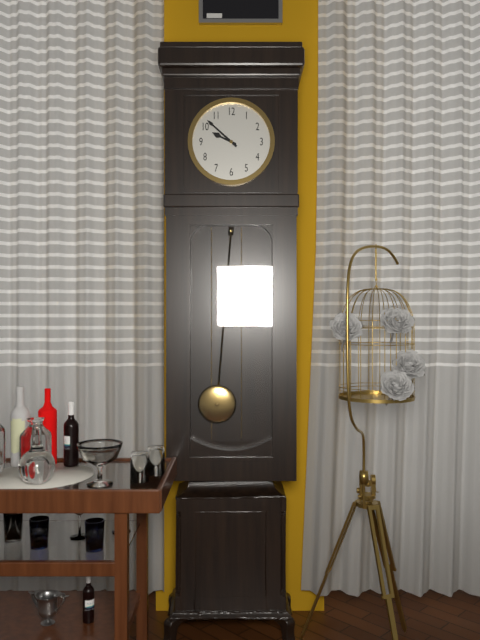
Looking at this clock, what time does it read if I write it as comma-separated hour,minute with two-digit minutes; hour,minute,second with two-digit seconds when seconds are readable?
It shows 9,52
